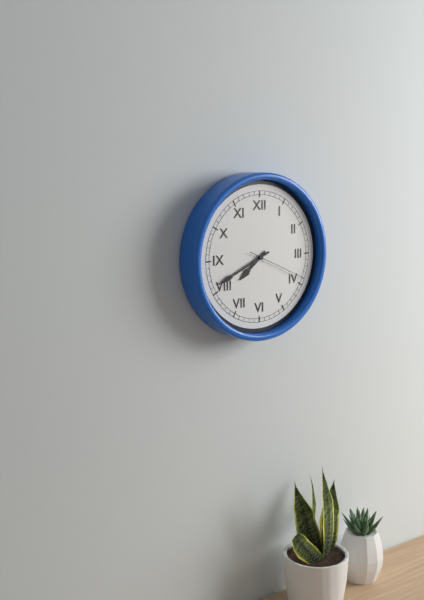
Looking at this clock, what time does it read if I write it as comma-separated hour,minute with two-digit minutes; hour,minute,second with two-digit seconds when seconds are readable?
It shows 7,41,19
